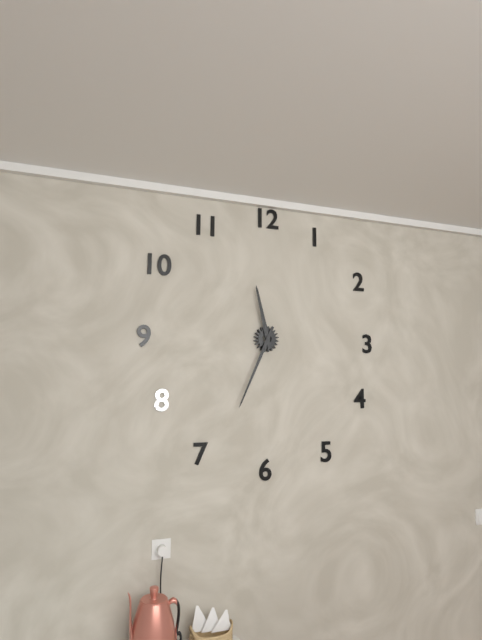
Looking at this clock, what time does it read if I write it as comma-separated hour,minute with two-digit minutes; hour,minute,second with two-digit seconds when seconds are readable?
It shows 11,34
